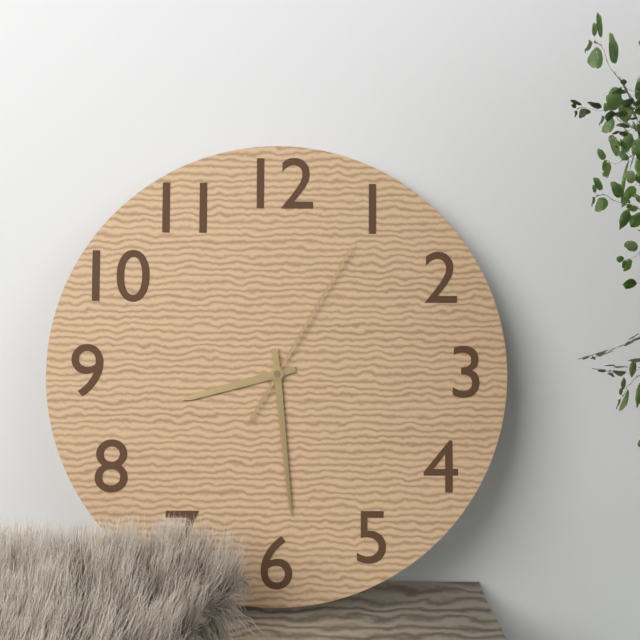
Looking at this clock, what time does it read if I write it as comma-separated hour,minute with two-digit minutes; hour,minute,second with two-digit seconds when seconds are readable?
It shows 8,29,05
